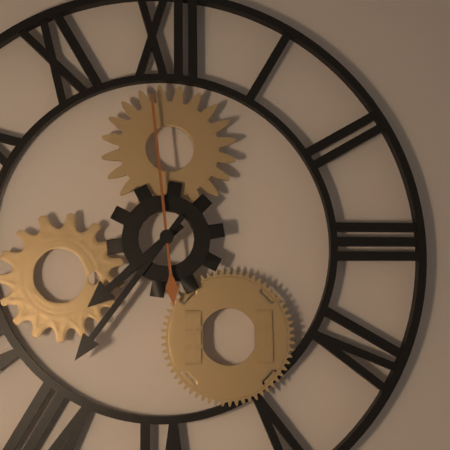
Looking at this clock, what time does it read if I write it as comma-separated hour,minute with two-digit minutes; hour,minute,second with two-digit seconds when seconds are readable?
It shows 7,36,59
